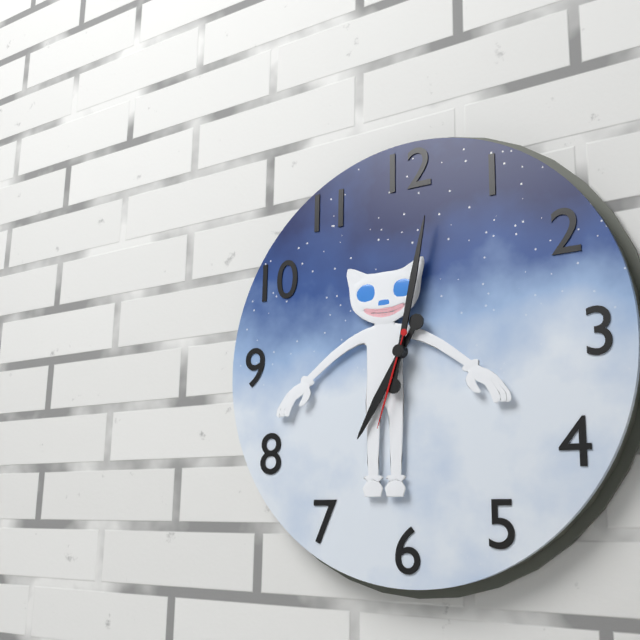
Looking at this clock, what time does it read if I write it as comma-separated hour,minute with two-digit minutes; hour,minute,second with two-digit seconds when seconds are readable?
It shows 7,02,33
